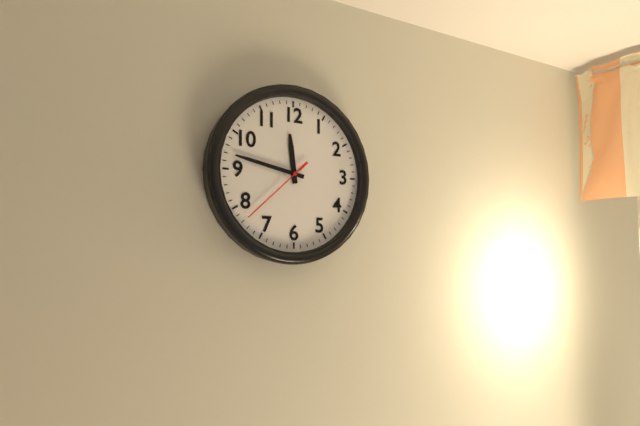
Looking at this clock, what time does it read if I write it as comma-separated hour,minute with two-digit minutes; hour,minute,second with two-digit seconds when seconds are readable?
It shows 11,47,38
